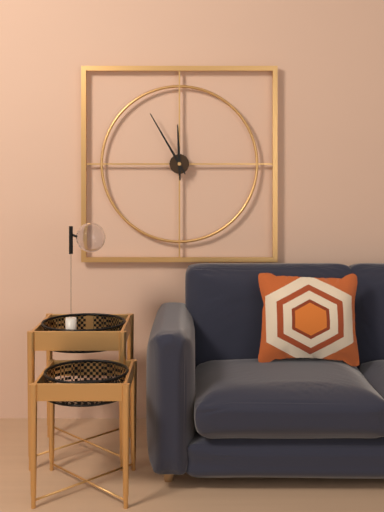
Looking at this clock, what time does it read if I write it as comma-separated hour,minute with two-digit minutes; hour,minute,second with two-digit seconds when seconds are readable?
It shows 11,55
